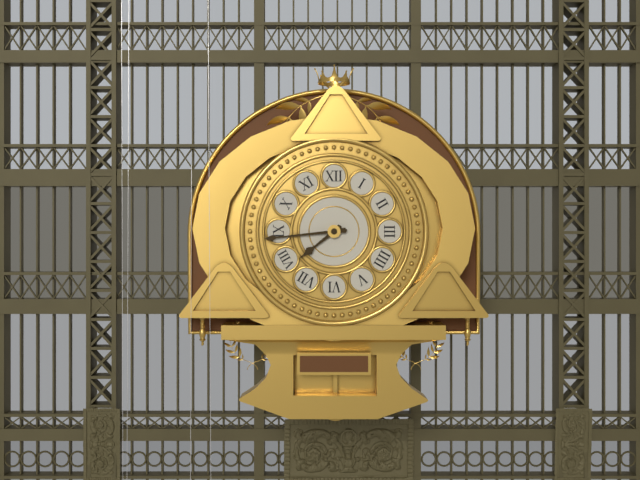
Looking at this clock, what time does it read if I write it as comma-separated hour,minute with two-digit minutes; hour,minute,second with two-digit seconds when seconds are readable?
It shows 7,44
